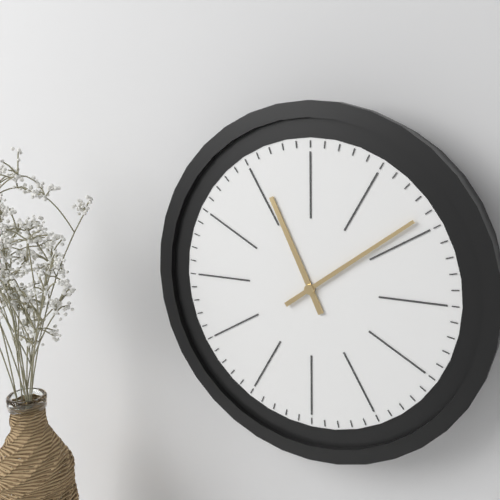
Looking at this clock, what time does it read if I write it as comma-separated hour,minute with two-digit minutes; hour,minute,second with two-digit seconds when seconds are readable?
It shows 11,09
